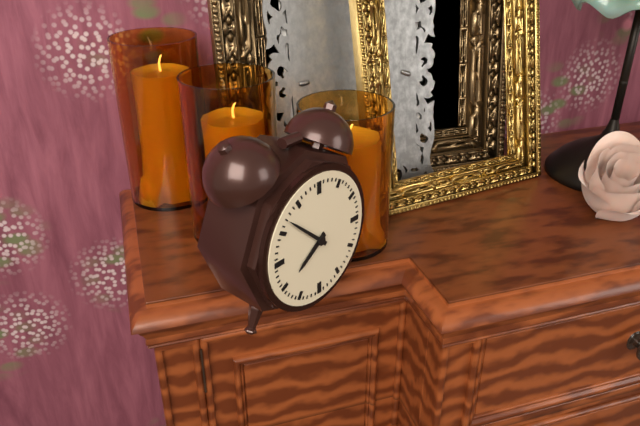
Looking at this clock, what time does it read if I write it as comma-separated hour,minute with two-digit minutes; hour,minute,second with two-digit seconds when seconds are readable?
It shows 7,52
